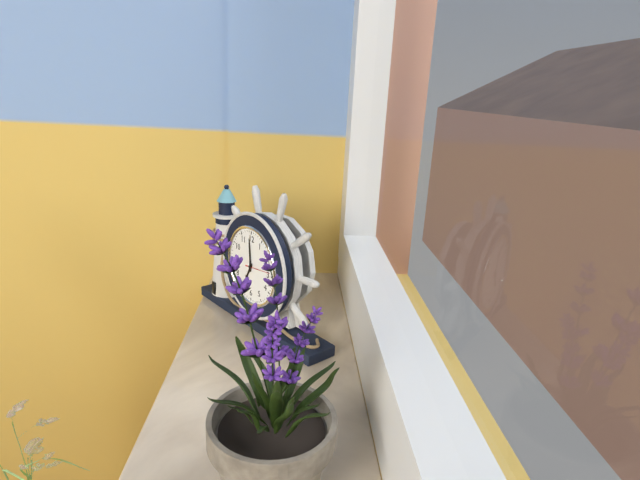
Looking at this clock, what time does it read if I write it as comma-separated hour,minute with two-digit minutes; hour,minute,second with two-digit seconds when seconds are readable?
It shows 6,59
